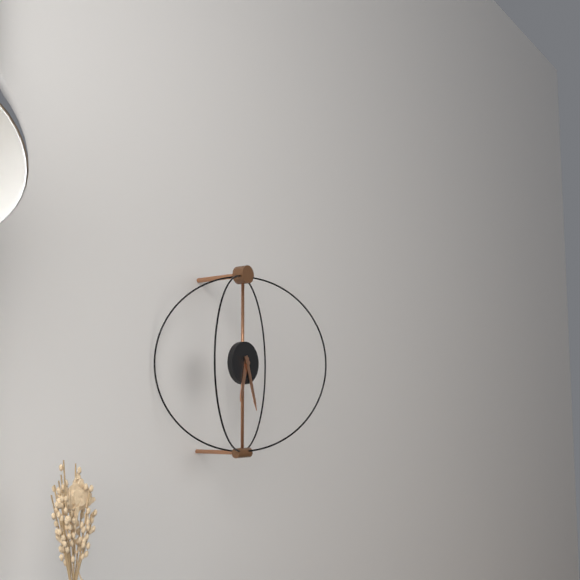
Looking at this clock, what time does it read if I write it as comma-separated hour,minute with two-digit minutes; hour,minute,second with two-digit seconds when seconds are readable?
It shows 6,27
